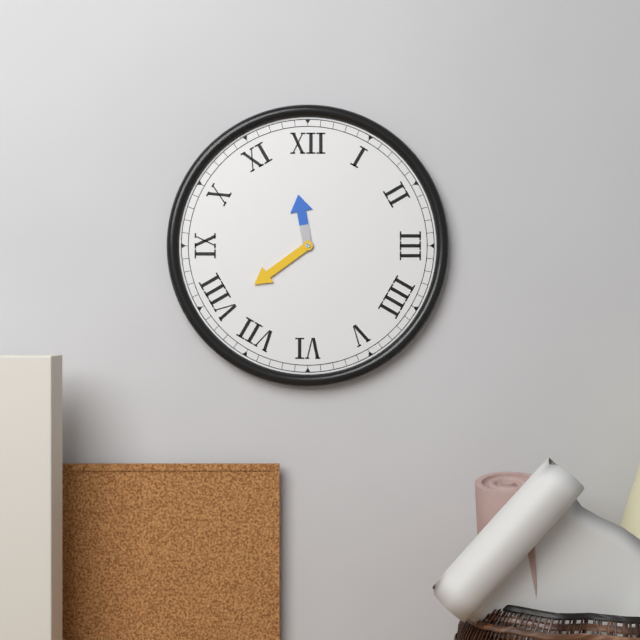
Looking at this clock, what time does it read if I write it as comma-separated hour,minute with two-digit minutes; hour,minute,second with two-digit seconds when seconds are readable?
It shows 11,39
